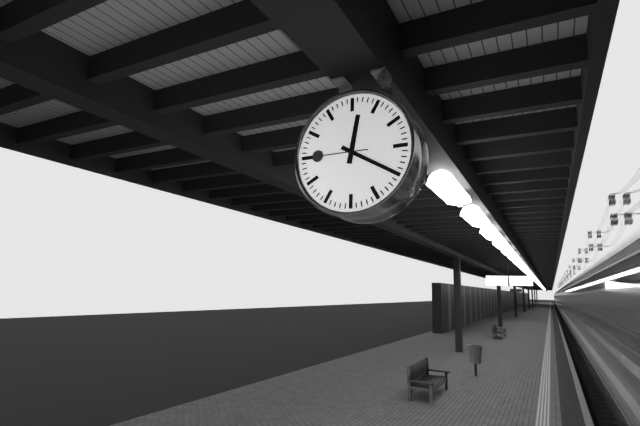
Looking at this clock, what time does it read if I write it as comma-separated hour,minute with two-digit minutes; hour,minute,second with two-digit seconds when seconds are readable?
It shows 12,20,45
